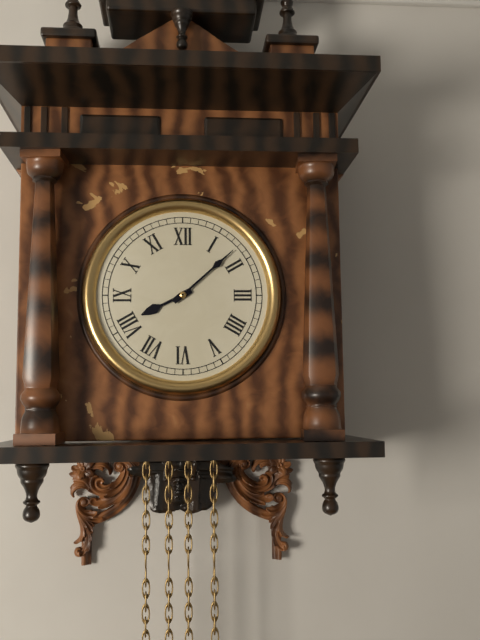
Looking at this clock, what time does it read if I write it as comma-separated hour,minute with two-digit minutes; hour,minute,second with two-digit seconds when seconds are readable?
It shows 8,08
